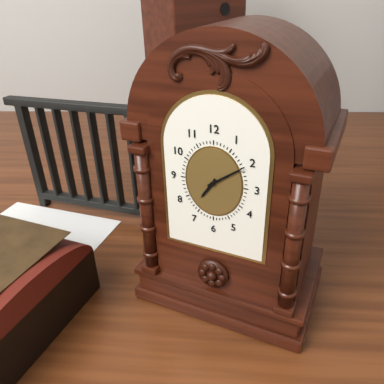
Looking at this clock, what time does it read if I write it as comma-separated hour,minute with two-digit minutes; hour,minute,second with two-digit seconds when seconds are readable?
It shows 7,09
